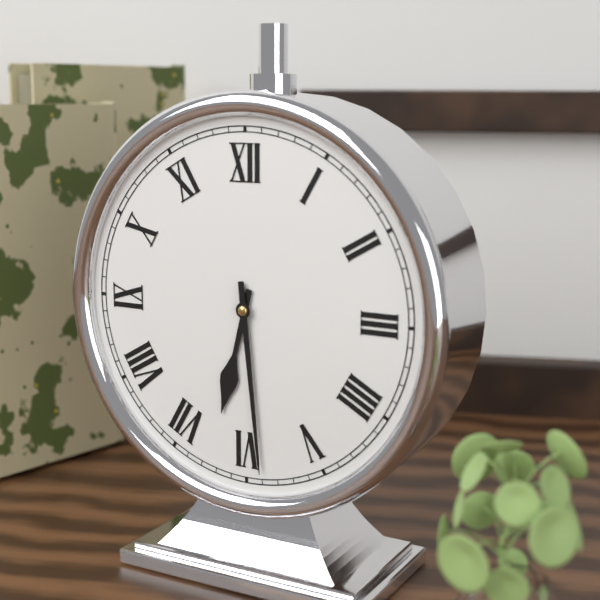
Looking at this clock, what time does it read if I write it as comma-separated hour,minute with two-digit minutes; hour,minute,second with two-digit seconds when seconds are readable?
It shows 6,29
